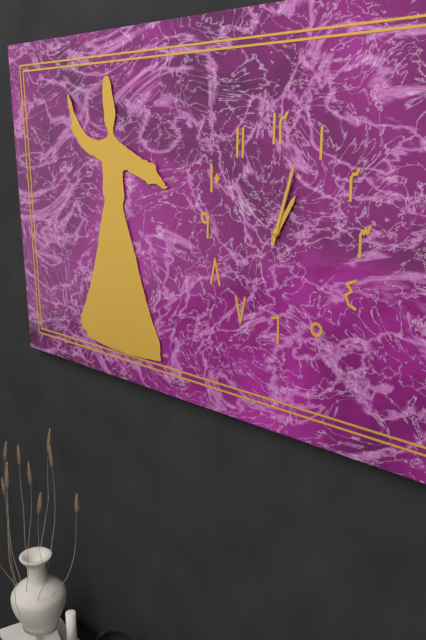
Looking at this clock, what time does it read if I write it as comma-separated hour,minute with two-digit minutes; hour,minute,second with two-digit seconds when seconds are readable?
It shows 1,03
